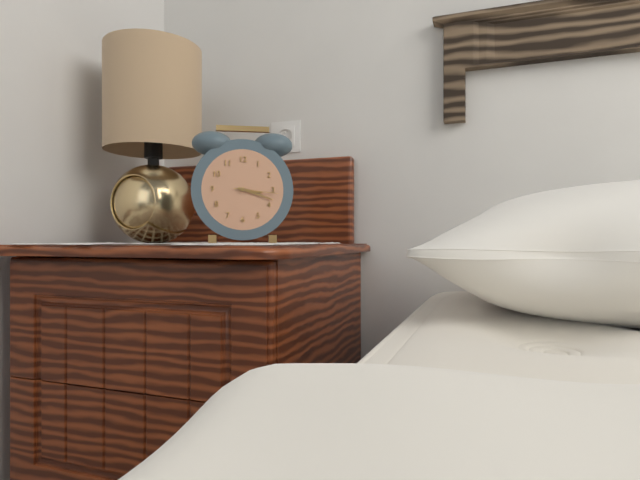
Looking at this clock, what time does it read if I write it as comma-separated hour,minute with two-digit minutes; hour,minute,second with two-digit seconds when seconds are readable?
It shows 3,18
